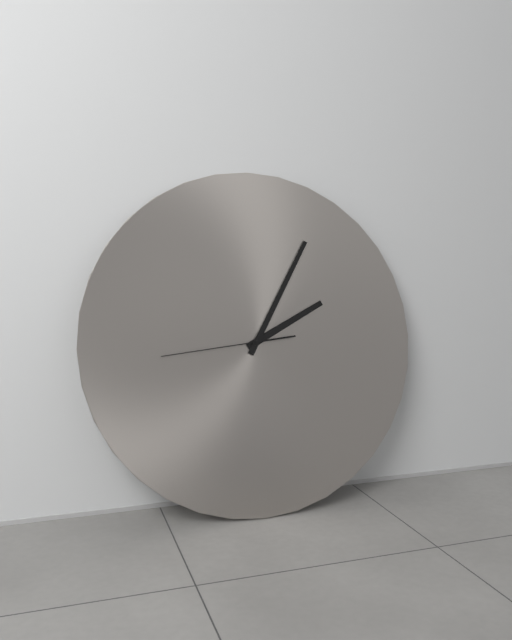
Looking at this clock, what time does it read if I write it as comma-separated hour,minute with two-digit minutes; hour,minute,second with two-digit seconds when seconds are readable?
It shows 2,05,44
